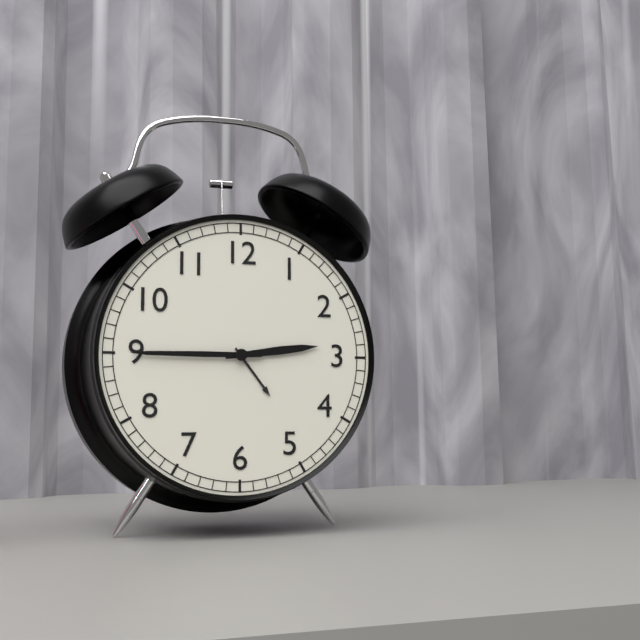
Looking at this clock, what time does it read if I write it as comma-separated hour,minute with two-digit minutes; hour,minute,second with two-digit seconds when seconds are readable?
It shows 2,45
